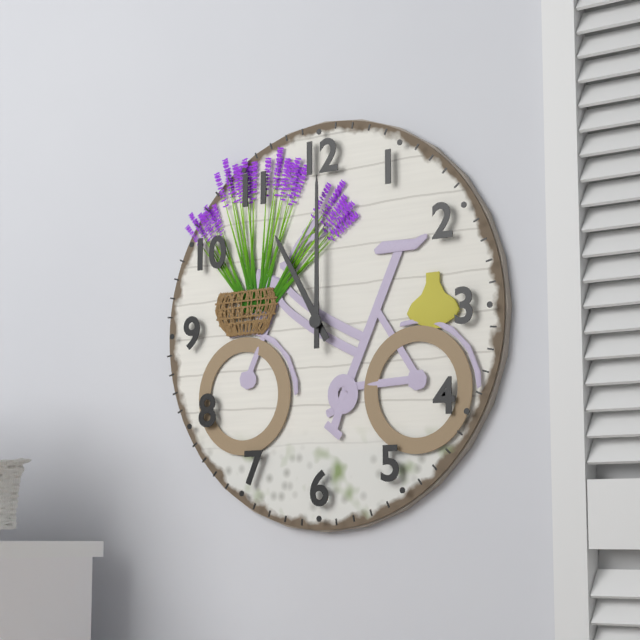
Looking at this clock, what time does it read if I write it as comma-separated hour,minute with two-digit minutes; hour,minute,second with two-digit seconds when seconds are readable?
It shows 11,00
